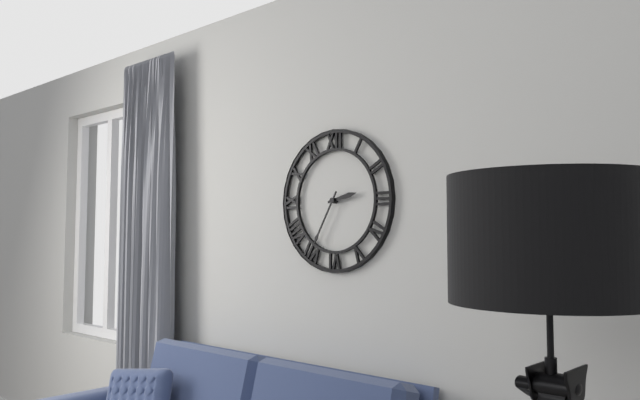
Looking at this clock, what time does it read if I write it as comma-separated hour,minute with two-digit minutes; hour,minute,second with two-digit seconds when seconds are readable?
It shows 2,35
